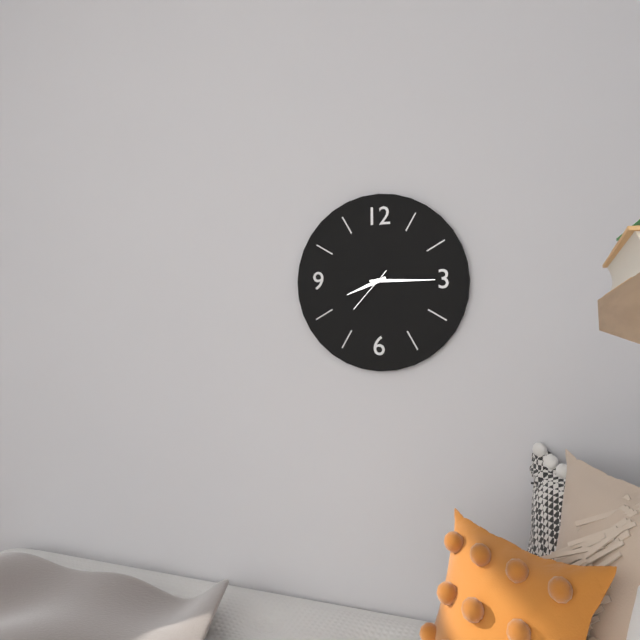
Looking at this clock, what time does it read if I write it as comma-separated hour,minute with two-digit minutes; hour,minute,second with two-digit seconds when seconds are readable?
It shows 8,15
